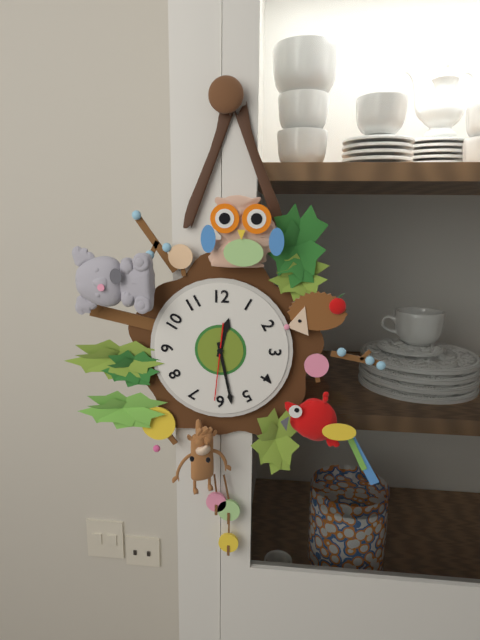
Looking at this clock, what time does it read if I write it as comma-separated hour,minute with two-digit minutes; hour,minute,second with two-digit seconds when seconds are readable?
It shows 12,28,31
